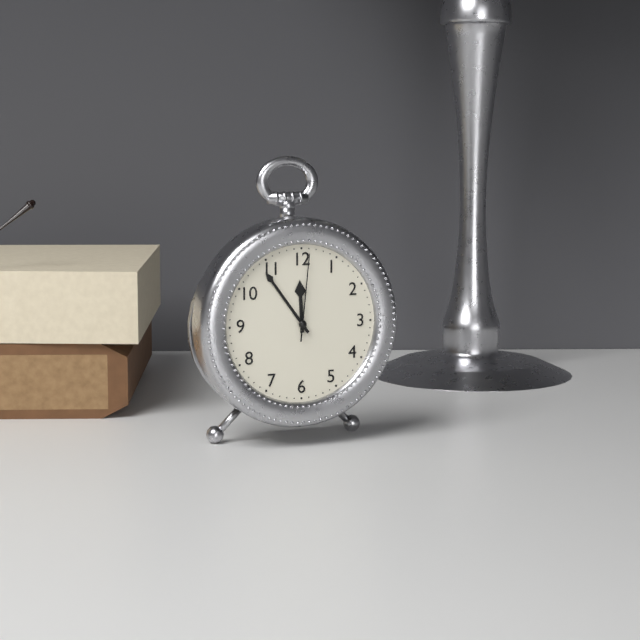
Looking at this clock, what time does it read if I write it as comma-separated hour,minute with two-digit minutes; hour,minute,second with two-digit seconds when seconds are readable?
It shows 11,54,01
